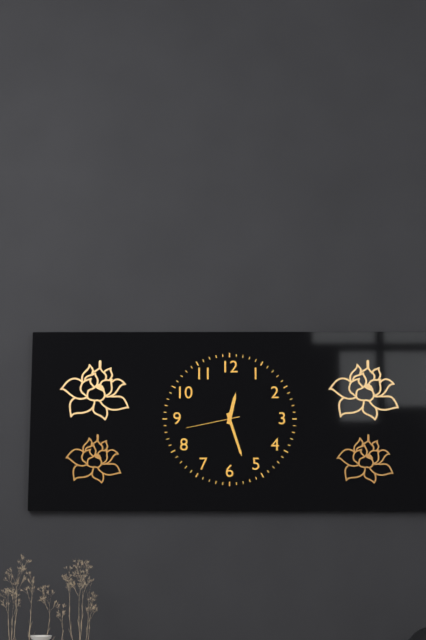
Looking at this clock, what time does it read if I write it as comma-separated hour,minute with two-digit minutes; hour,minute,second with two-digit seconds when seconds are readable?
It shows 12,27,43
